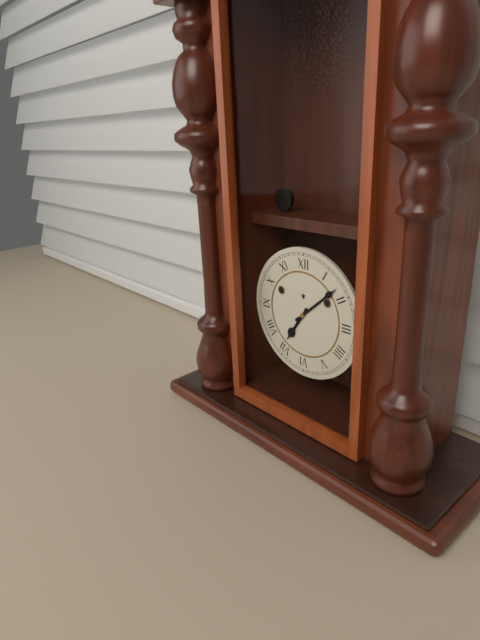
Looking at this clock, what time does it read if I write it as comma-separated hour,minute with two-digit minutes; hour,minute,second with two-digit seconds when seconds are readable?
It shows 7,08
